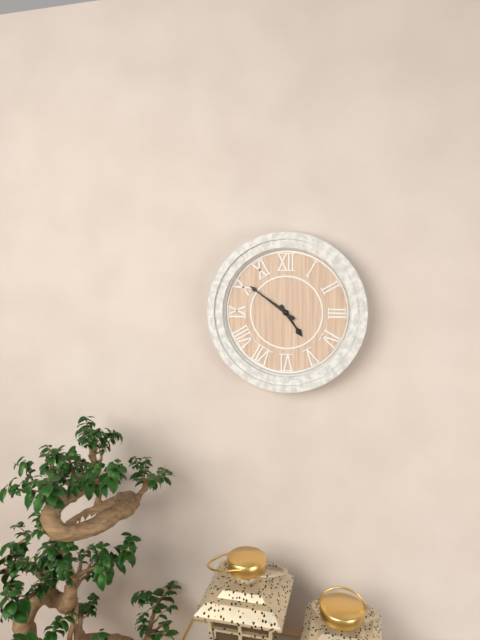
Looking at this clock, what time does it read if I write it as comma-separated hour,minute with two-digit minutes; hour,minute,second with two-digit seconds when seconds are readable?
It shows 4,51
